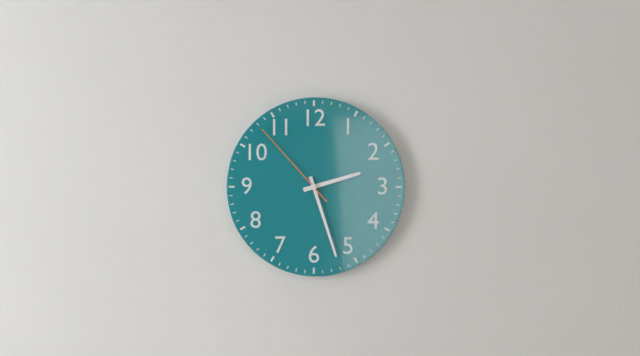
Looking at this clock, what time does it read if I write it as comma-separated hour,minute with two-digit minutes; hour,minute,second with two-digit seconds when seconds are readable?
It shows 2,27,53
